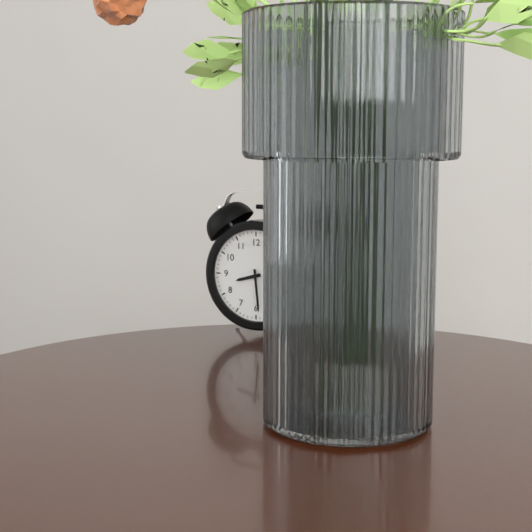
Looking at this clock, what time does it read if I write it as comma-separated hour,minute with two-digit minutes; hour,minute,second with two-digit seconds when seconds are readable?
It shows 8,29
